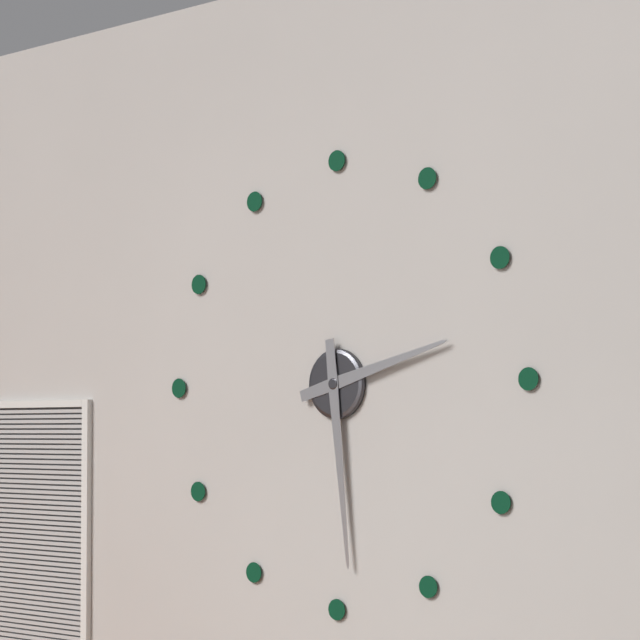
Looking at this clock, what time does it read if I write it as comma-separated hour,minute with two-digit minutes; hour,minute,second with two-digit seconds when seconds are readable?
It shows 2,29
